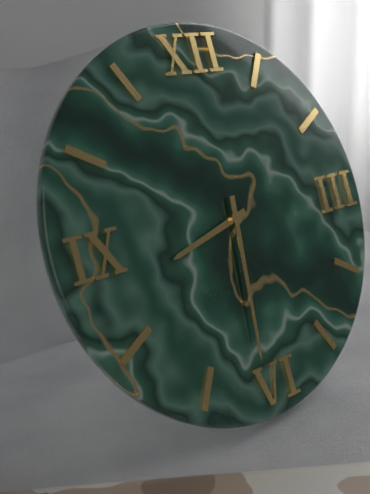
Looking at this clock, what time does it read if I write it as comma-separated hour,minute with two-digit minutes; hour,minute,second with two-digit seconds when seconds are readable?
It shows 8,31
